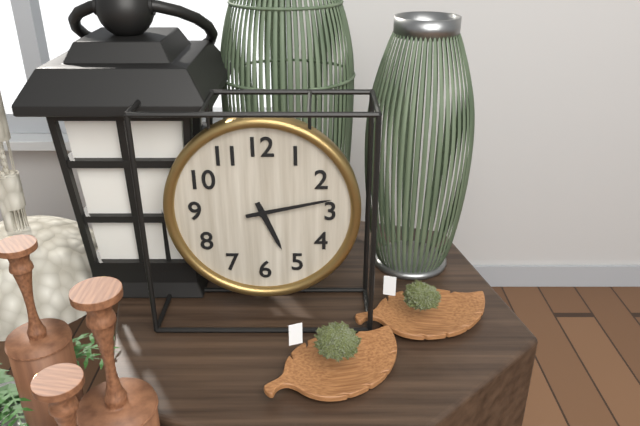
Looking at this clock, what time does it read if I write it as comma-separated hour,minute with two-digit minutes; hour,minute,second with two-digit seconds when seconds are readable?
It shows 5,13
